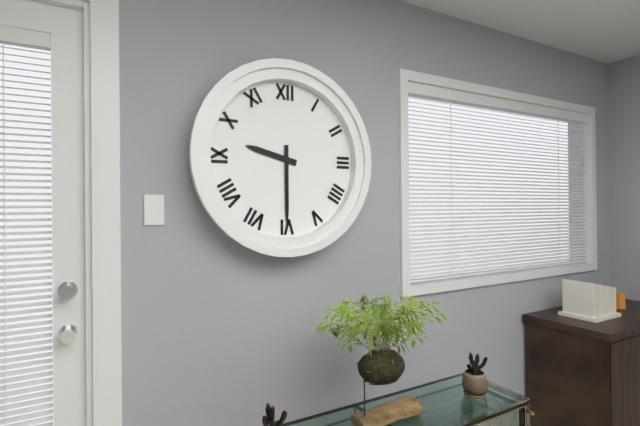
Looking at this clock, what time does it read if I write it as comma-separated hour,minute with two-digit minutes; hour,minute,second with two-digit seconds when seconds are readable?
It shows 9,30
